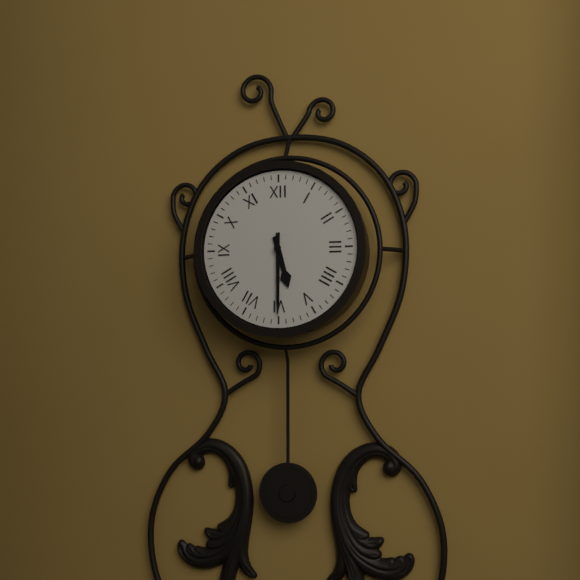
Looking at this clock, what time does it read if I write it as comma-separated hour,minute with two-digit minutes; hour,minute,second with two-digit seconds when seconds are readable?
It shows 5,30
